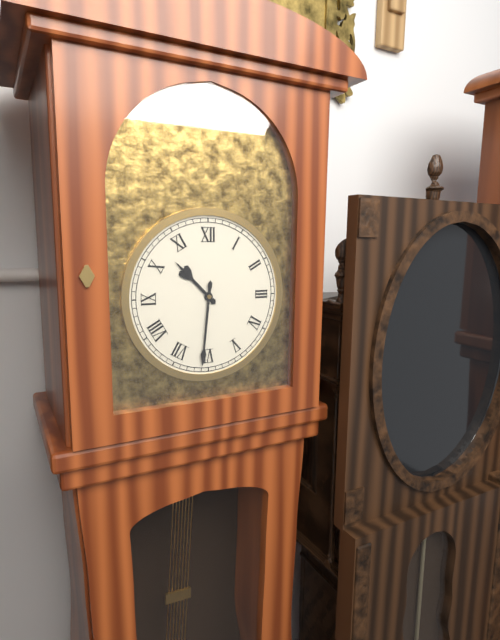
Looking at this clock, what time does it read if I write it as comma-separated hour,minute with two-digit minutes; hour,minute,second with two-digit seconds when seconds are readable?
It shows 10,31
